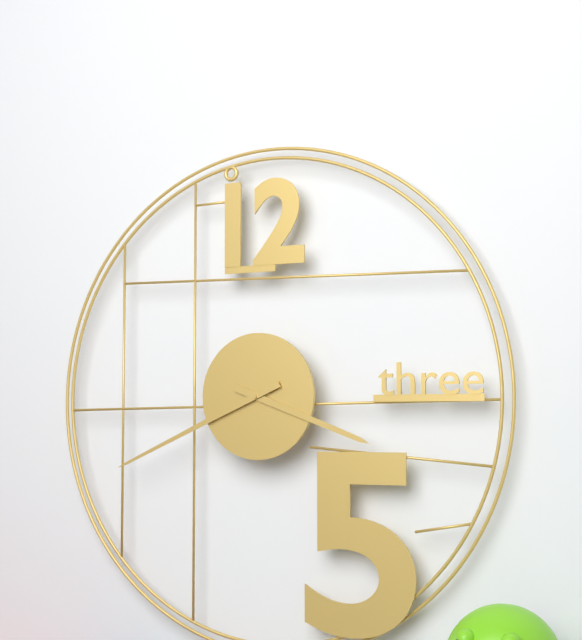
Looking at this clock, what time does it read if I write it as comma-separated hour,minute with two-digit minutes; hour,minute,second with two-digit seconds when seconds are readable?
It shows 3,41
